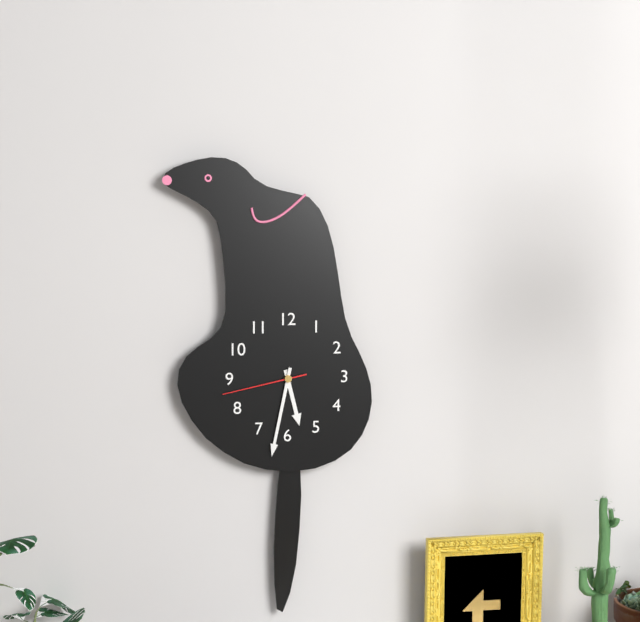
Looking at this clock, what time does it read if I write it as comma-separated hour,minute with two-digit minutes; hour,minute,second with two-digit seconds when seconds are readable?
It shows 5,32,43
